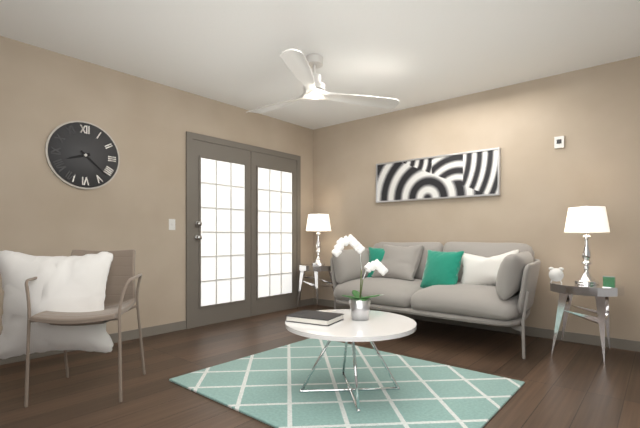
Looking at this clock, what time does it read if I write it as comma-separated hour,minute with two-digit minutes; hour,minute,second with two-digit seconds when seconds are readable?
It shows 8,22
